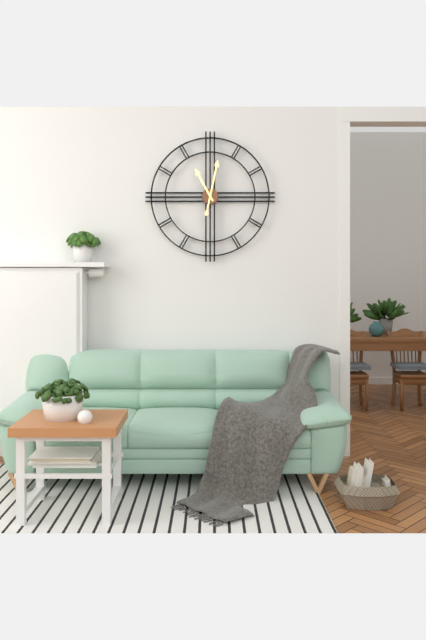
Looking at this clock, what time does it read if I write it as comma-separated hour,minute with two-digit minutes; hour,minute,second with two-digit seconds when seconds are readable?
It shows 11,02
